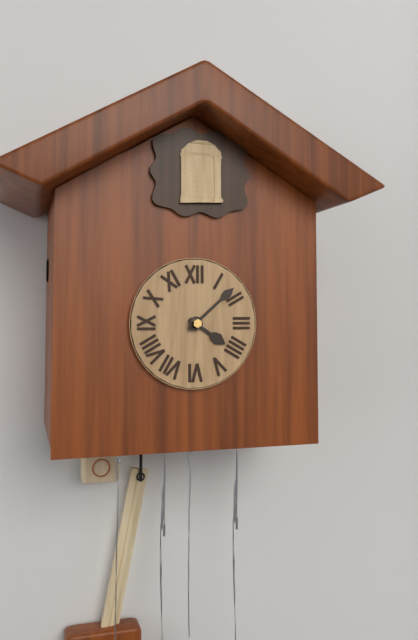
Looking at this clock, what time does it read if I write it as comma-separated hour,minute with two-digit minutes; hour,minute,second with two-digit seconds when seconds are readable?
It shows 4,08
